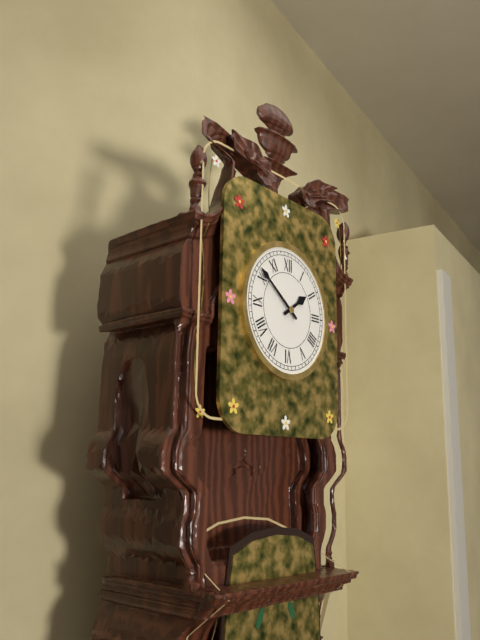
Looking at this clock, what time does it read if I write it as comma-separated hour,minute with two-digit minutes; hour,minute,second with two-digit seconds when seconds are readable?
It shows 1,51
